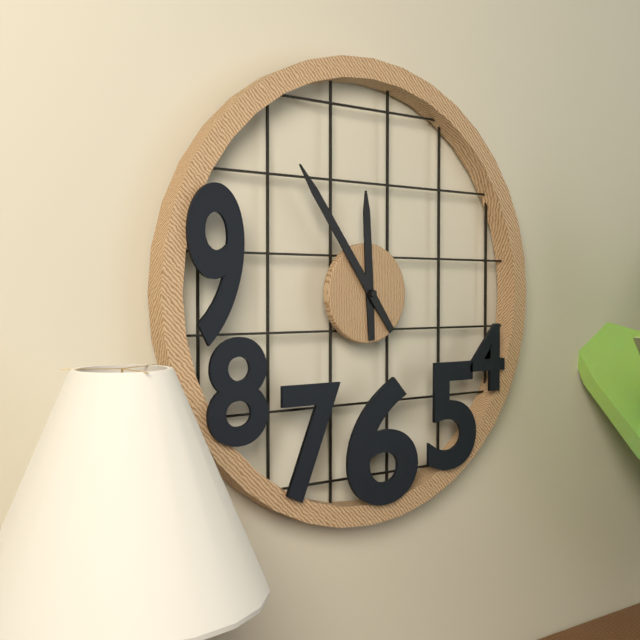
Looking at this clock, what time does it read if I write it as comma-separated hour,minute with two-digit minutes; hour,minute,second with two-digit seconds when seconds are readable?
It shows 11,54
